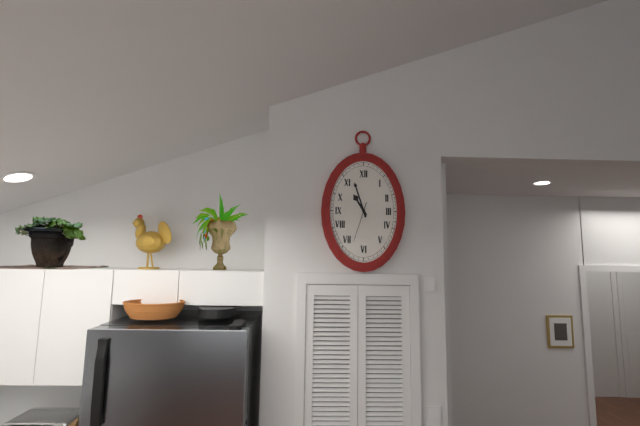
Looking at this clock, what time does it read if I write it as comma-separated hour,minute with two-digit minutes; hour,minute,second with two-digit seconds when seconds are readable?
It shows 10,57
